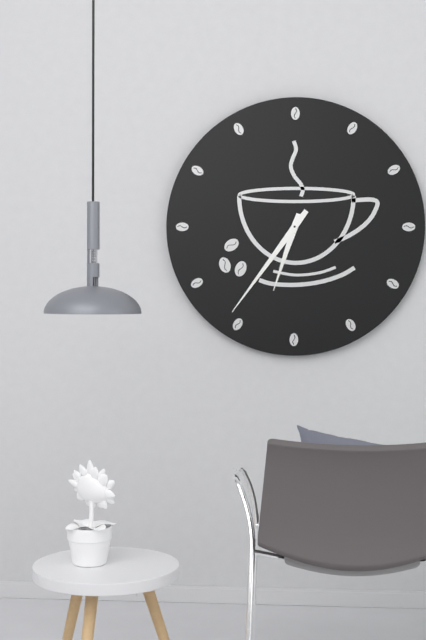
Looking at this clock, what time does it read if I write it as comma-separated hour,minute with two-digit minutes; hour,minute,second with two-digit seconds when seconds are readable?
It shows 6,36
